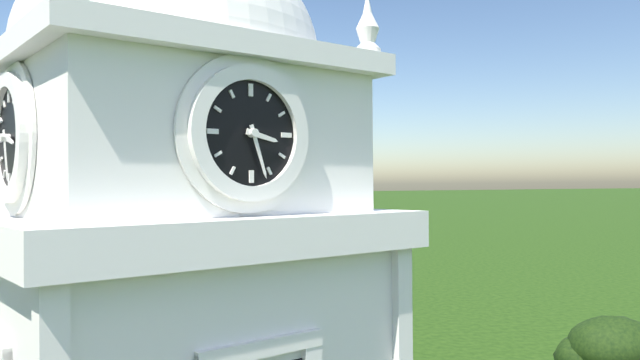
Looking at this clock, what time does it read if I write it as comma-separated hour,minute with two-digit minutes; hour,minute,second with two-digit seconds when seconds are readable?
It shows 3,27
